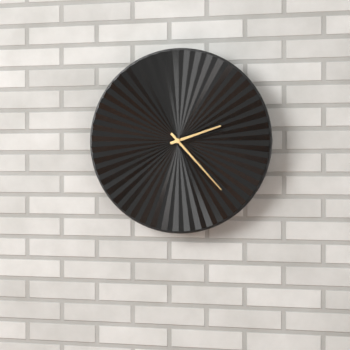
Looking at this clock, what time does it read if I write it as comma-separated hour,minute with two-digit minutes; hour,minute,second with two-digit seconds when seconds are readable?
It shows 2,23
